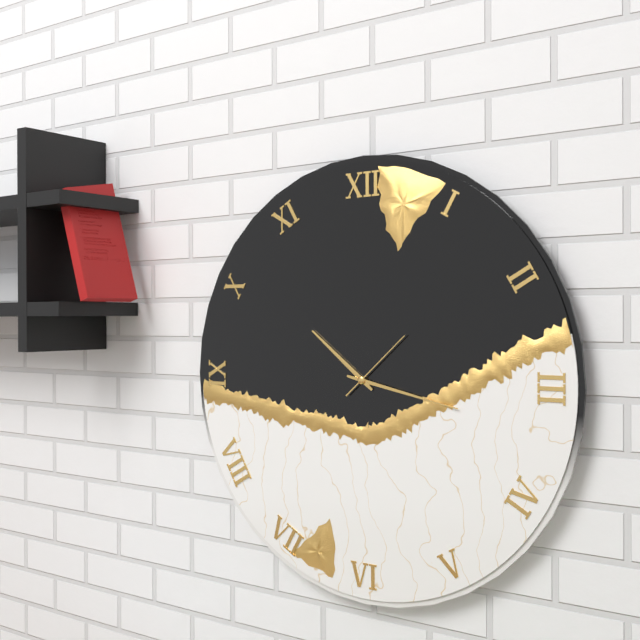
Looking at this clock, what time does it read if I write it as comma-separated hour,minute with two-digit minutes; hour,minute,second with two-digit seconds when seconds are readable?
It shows 10,17,08
